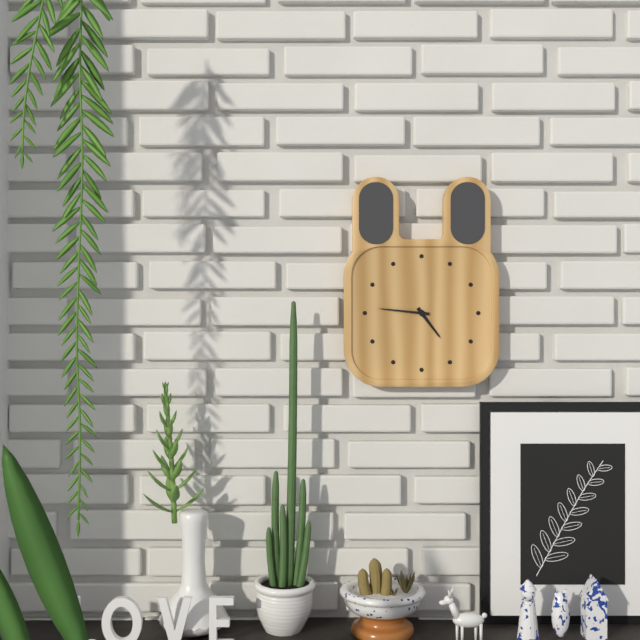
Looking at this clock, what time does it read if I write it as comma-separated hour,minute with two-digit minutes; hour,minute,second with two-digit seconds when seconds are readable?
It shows 4,46
